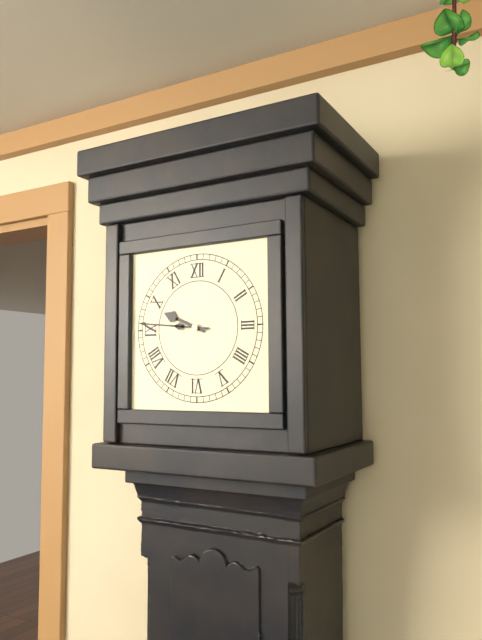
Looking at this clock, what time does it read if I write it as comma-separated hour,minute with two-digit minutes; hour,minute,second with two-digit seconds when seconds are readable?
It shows 9,46
